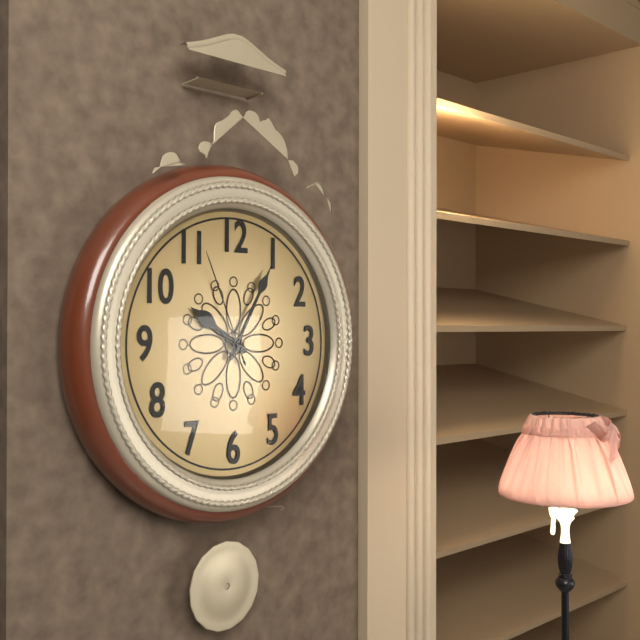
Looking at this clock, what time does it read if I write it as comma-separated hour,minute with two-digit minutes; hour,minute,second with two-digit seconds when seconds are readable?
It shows 10,05,56
